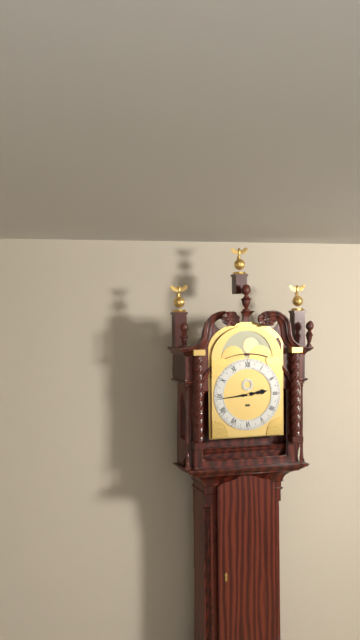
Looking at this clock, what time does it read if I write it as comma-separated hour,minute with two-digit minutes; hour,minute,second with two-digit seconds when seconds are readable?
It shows 2,44
